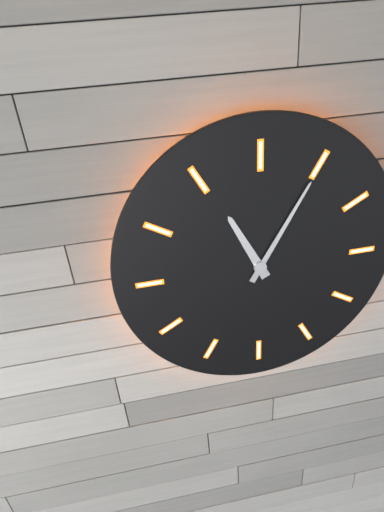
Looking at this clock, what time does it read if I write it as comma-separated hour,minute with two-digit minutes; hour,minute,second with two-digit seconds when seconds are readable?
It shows 11,05
